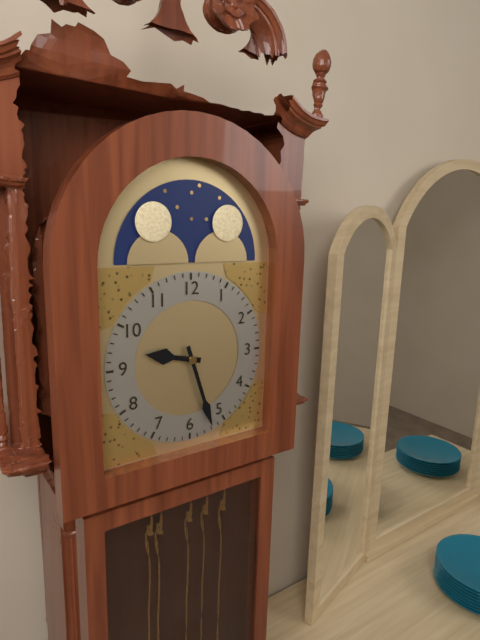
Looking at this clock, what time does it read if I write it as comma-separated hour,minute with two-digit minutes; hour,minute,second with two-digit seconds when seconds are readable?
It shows 9,27
